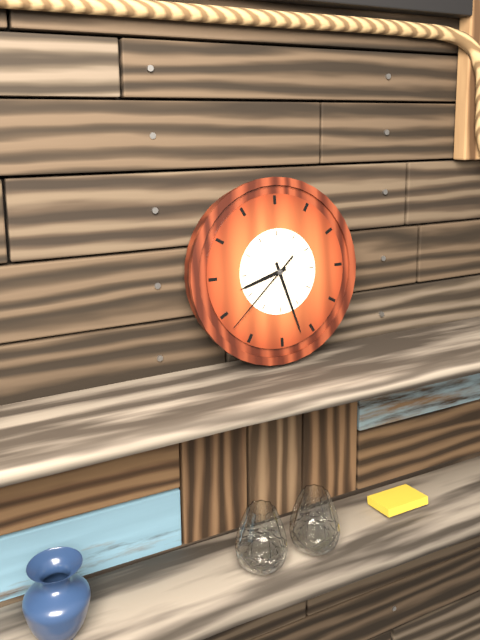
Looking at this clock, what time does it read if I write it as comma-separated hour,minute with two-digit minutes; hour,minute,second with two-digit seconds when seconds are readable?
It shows 8,27,38
